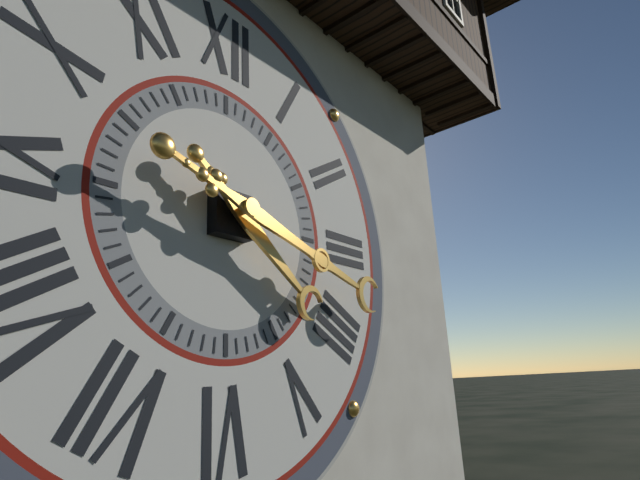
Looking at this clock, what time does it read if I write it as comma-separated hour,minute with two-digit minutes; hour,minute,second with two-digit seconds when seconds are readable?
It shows 4,18
